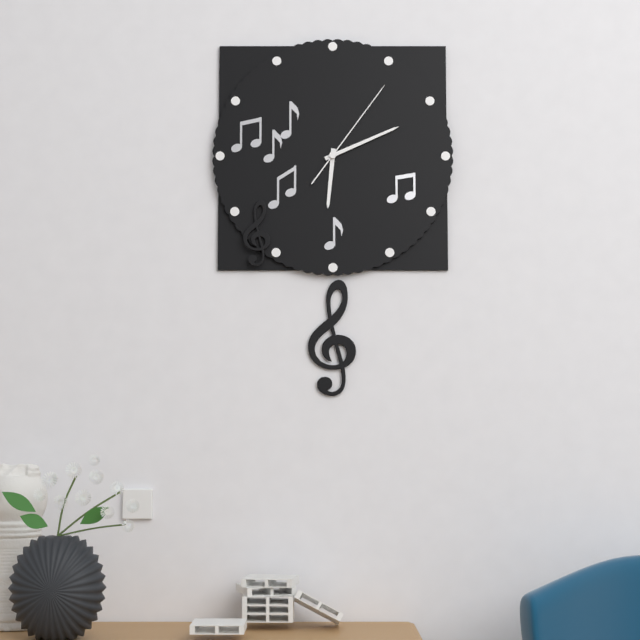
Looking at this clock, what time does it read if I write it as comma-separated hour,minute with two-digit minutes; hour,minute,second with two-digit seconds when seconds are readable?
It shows 6,11,06
